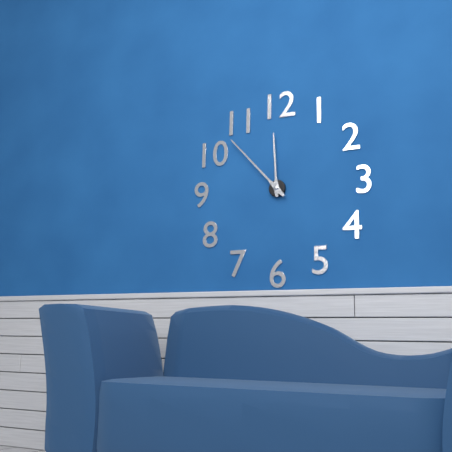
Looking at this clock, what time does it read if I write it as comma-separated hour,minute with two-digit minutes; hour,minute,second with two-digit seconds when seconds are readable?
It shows 11,53
